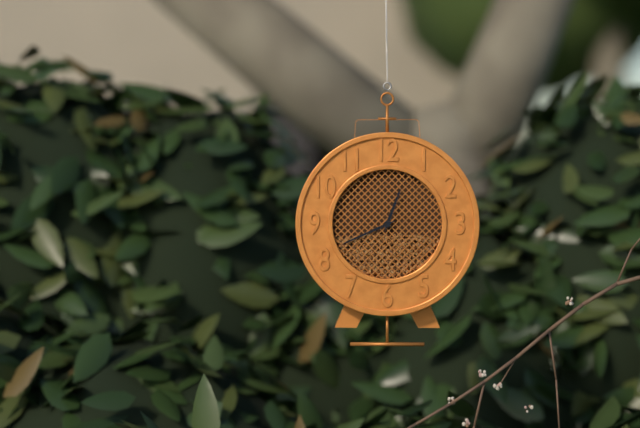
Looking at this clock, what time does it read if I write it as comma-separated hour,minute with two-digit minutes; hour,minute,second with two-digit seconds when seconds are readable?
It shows 12,41
